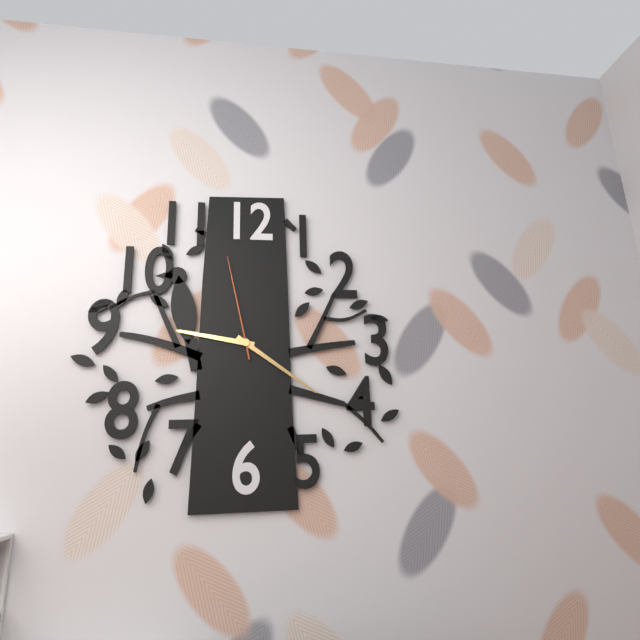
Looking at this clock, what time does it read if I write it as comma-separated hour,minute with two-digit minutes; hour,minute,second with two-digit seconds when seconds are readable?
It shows 9,21,58
